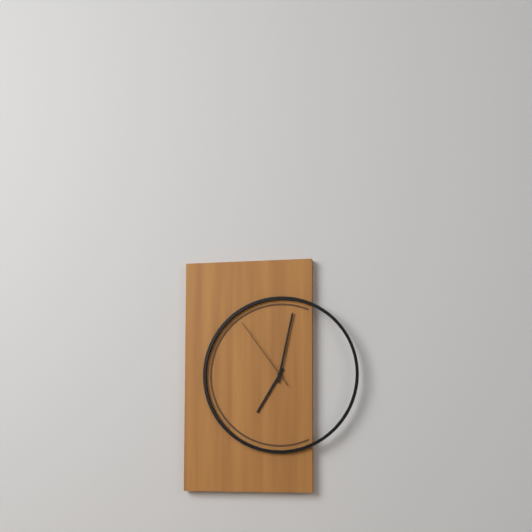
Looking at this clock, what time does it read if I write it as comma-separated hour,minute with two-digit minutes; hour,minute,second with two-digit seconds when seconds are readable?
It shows 7,02,54
